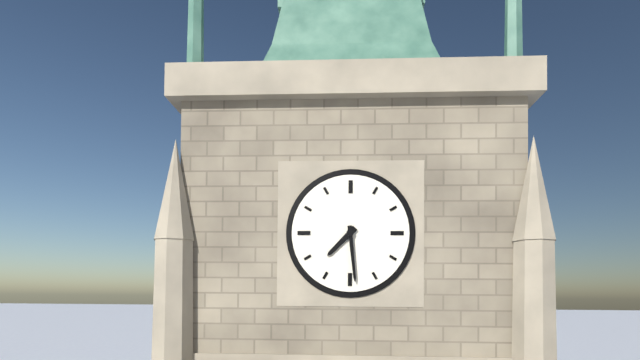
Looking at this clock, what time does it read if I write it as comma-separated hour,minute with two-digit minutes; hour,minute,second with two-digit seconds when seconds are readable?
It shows 7,29
